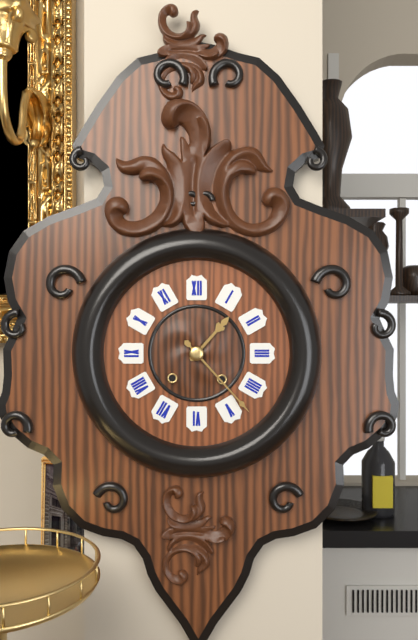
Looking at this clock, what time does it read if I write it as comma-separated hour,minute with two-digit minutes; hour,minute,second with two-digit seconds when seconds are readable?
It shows 1,23
